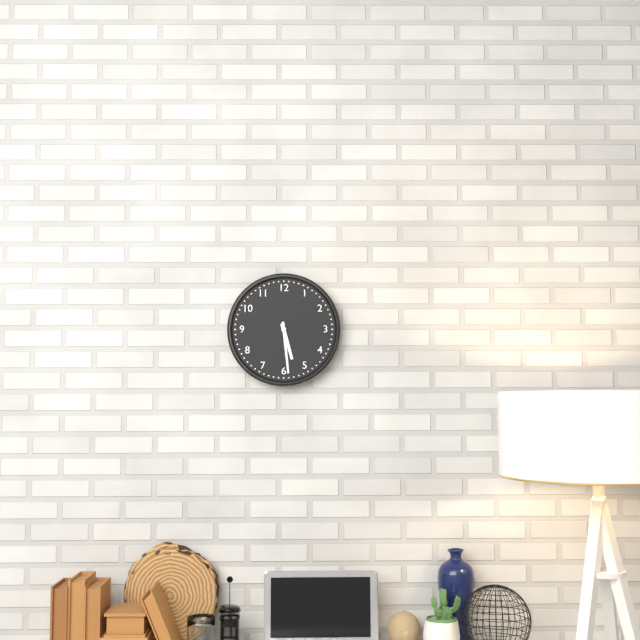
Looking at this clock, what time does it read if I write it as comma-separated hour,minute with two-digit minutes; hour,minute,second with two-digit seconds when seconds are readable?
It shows 5,29
